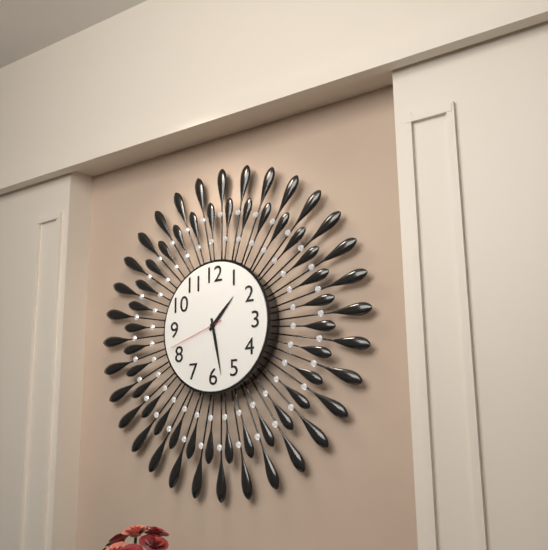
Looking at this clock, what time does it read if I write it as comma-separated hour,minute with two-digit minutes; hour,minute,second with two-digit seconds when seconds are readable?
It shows 1,28,42
